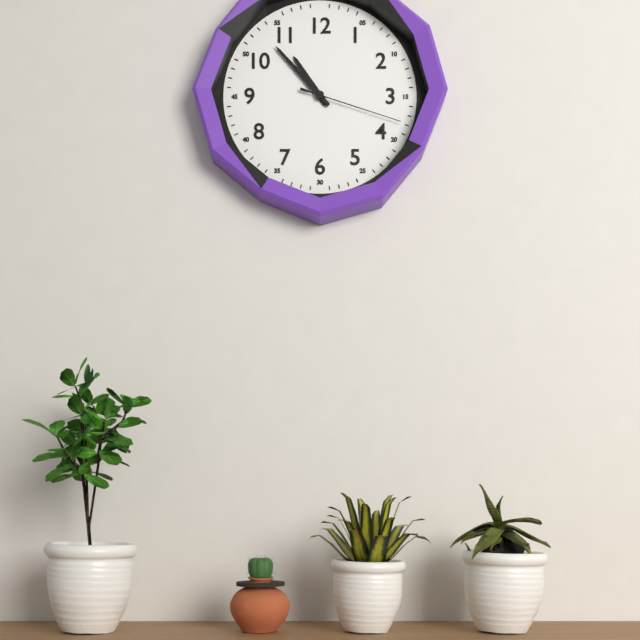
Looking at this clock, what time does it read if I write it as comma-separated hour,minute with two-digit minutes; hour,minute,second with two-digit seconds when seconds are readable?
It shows 10,53,18
